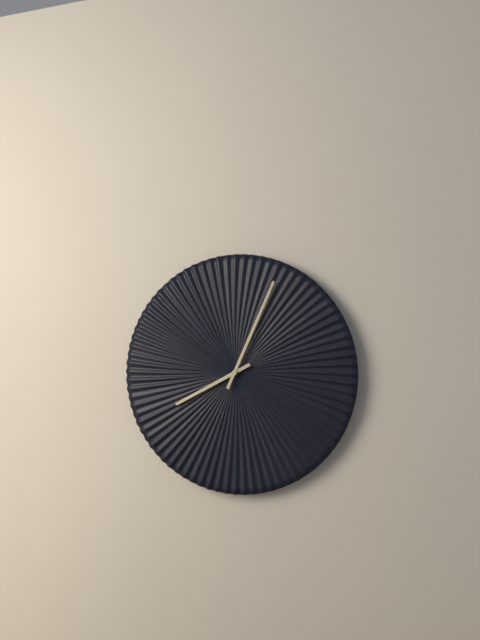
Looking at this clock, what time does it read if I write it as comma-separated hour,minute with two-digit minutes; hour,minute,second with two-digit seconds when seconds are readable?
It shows 8,04
